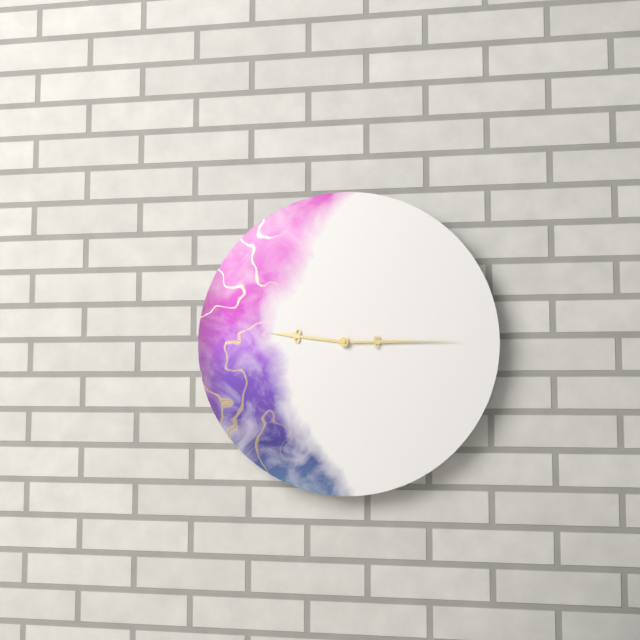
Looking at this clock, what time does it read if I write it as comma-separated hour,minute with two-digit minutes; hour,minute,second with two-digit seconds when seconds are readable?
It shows 9,15
